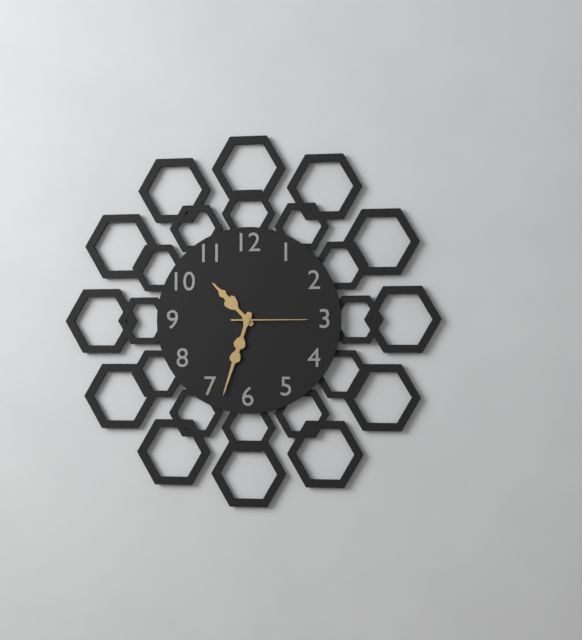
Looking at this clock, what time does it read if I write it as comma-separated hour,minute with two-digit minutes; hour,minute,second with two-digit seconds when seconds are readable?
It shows 10,33,15
